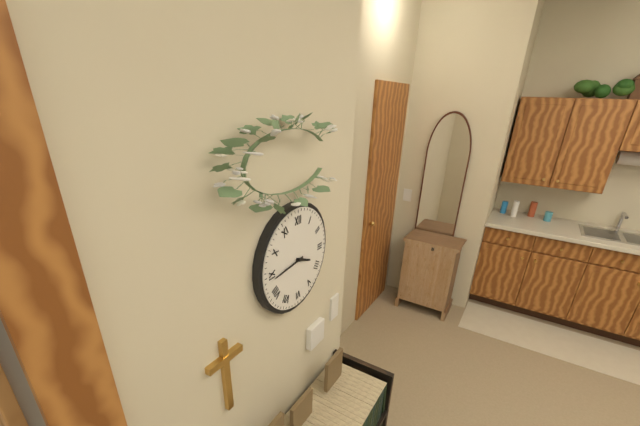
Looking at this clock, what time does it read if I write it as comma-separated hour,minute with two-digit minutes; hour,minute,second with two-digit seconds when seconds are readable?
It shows 3,44
